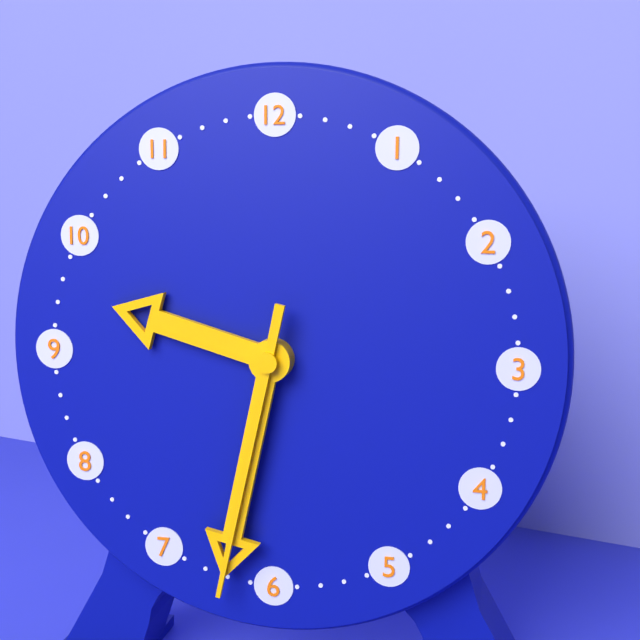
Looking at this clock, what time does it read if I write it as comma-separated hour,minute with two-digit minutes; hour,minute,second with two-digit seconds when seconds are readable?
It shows 9,32,32
